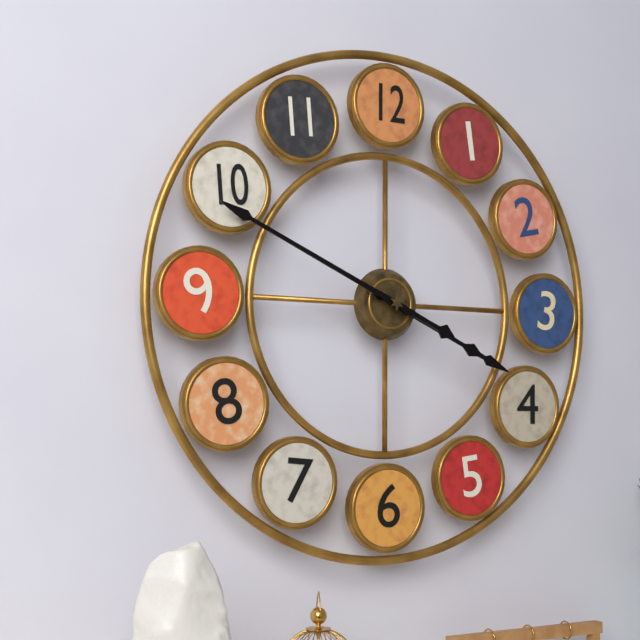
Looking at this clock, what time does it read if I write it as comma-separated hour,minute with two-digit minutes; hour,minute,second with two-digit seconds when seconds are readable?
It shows 3,49
